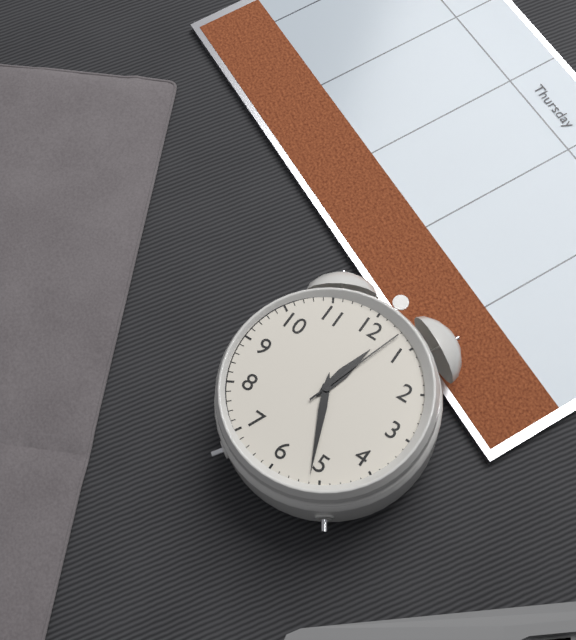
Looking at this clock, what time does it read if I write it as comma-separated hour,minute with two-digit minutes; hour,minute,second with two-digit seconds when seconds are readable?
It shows 12,26,03
